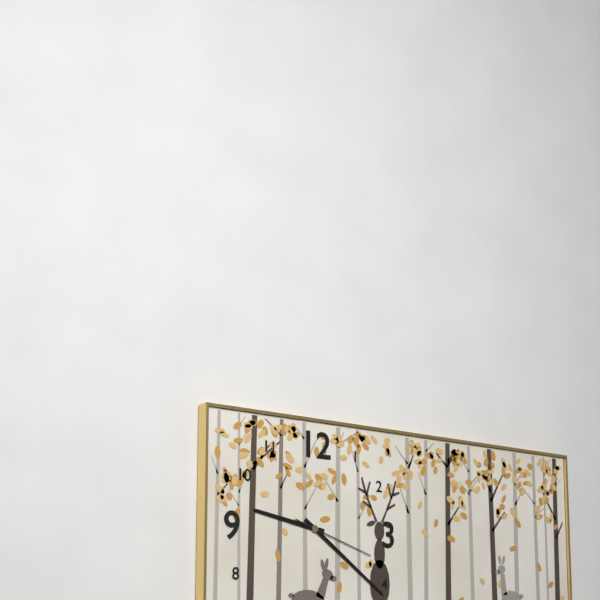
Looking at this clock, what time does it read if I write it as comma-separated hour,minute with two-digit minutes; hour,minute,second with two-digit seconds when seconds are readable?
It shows 9,21,18
